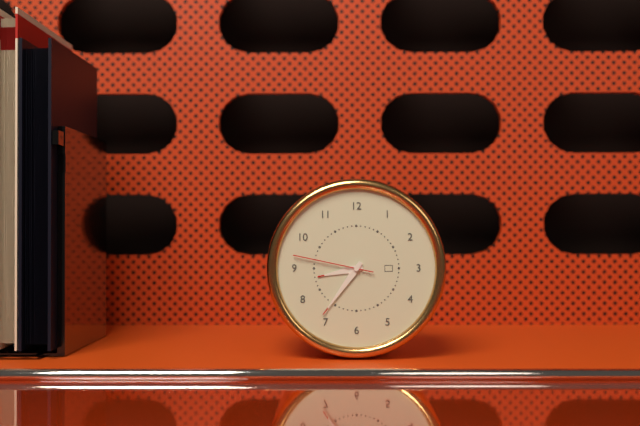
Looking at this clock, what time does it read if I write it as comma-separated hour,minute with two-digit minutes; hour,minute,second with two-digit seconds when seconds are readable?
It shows 8,36,47
